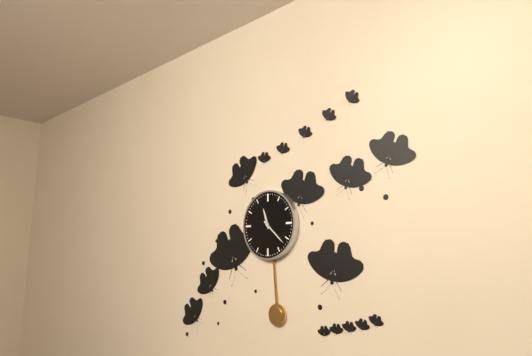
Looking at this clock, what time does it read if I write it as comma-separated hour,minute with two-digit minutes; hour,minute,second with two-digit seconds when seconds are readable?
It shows 11,22
